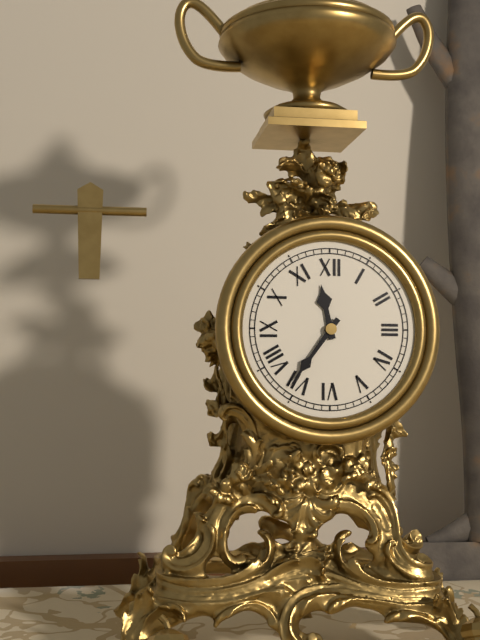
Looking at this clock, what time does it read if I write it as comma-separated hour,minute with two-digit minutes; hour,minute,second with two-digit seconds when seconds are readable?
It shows 11,36
